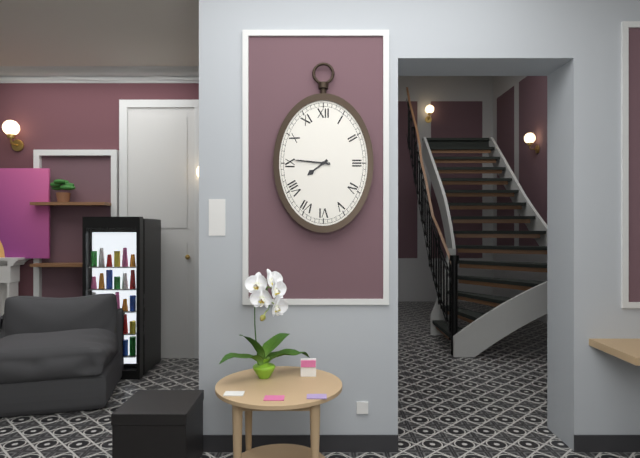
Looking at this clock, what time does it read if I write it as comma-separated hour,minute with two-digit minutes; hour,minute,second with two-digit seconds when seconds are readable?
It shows 7,46
